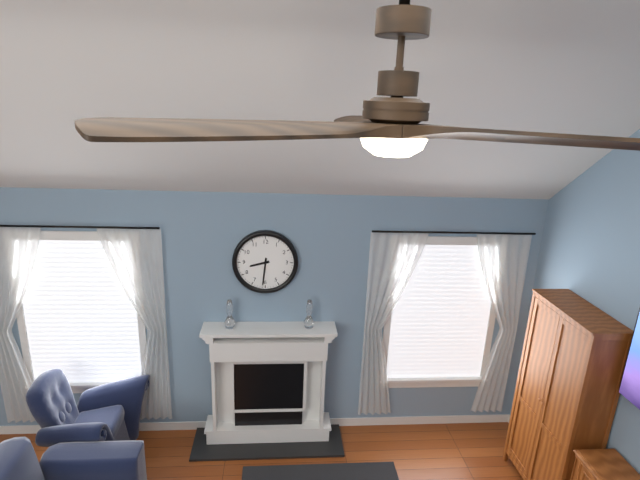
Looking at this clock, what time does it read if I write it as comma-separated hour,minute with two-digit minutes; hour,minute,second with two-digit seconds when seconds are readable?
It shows 8,31
